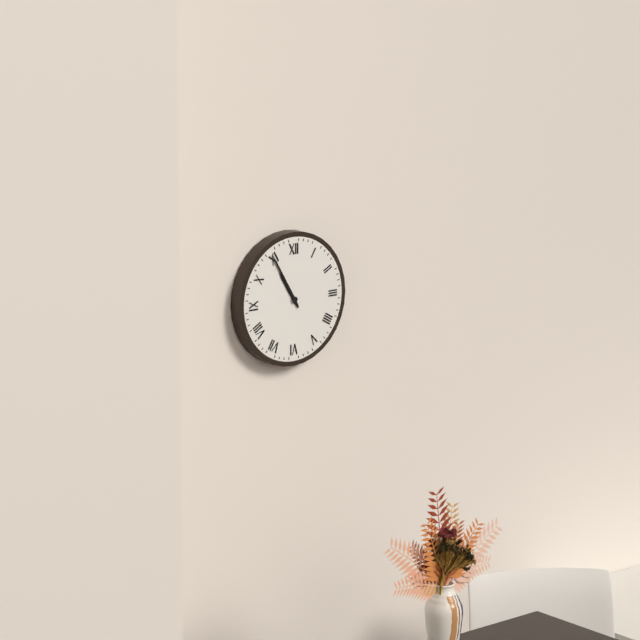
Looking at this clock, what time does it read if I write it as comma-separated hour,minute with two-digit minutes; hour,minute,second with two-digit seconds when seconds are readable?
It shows 10,55
